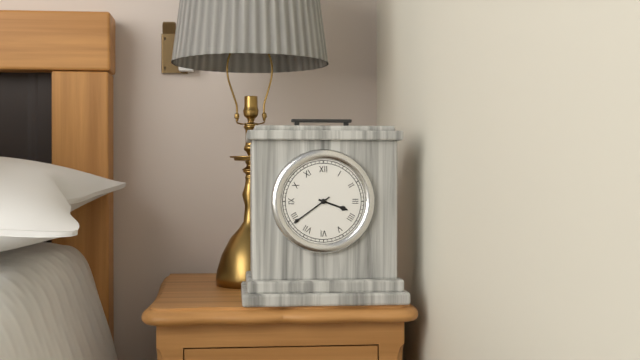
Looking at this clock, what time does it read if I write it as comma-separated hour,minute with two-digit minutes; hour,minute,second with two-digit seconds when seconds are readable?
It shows 3,39
